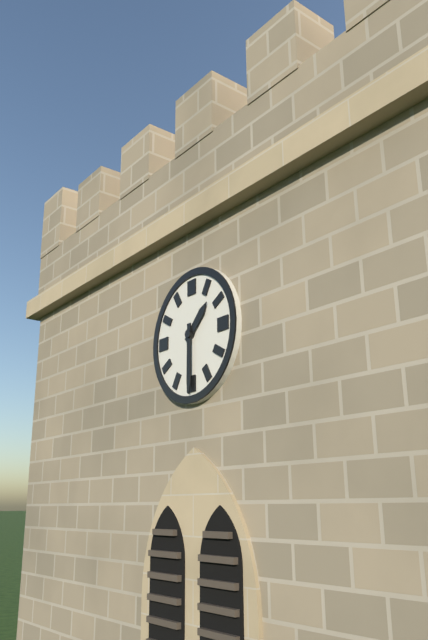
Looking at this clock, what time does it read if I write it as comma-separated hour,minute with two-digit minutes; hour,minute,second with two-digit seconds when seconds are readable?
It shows 1,30
